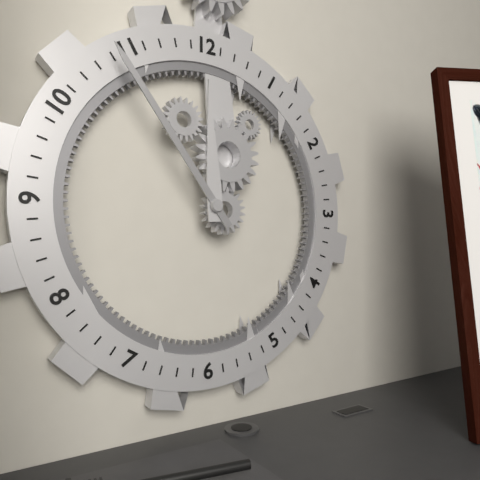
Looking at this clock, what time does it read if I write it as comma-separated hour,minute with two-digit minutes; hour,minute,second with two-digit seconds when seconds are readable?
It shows 11,54
